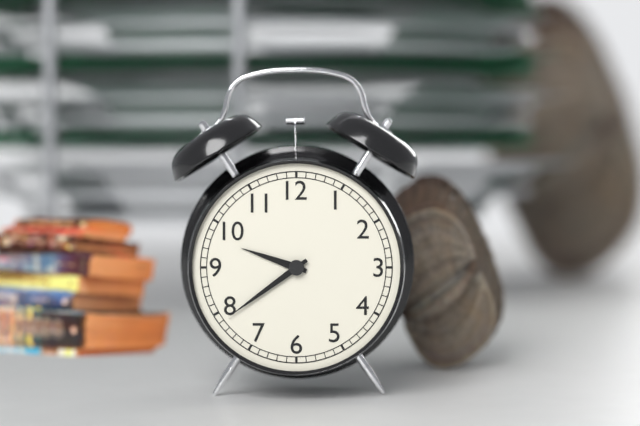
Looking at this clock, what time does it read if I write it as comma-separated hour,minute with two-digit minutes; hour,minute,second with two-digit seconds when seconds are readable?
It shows 9,39
